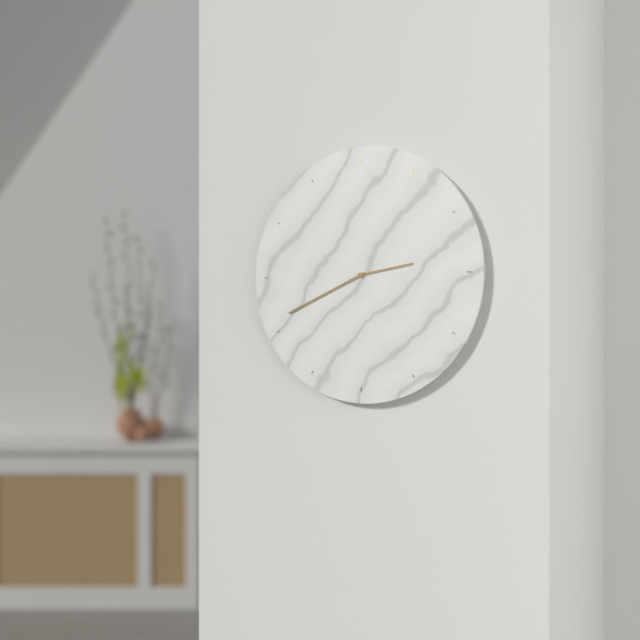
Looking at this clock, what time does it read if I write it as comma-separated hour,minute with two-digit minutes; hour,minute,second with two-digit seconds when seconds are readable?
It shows 2,41
